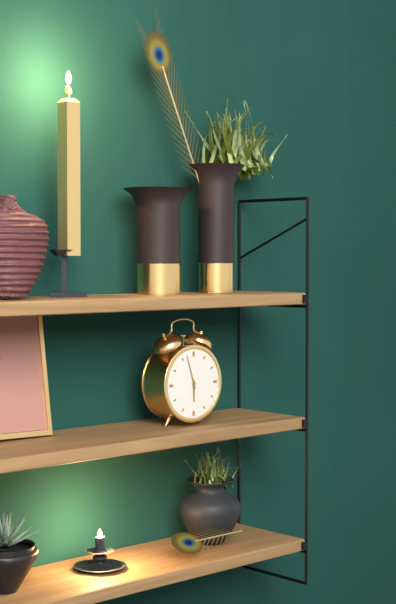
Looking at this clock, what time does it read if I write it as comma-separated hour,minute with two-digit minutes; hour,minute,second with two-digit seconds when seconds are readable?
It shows 5,57
